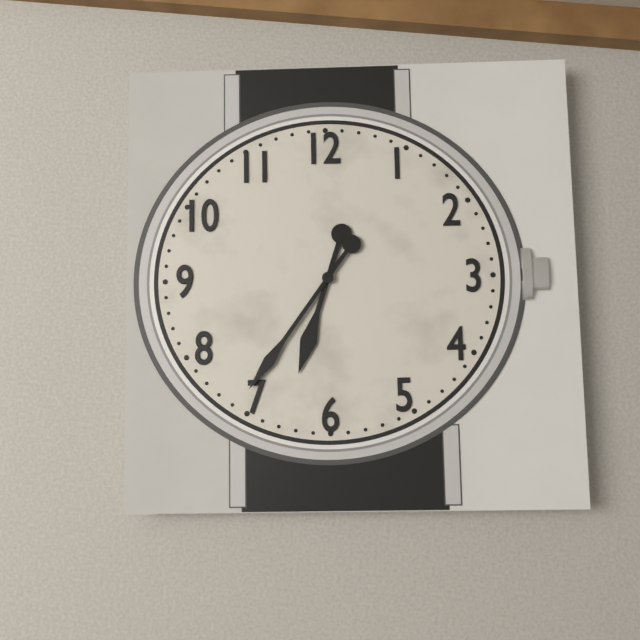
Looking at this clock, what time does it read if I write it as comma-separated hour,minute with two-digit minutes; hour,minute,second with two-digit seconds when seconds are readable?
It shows 6,36
